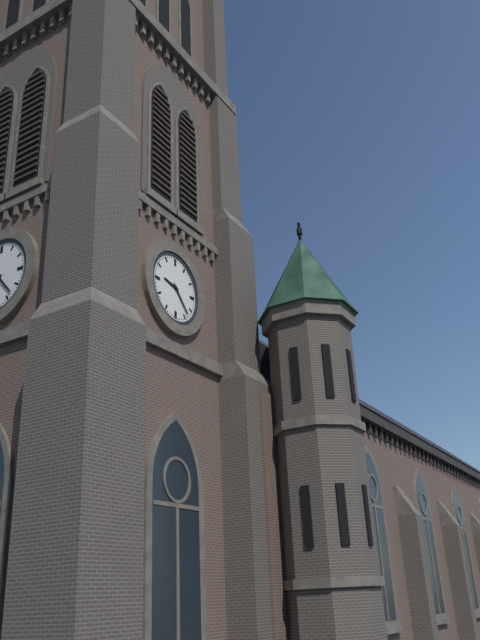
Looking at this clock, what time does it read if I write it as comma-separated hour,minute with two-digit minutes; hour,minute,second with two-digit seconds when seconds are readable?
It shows 9,23
